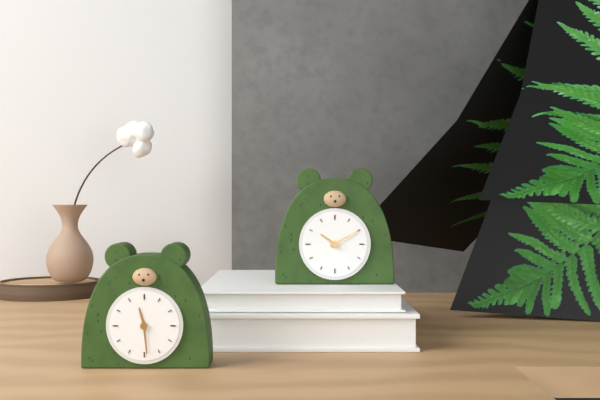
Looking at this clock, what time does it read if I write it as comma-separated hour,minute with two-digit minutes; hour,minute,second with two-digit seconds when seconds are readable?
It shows 11,29
